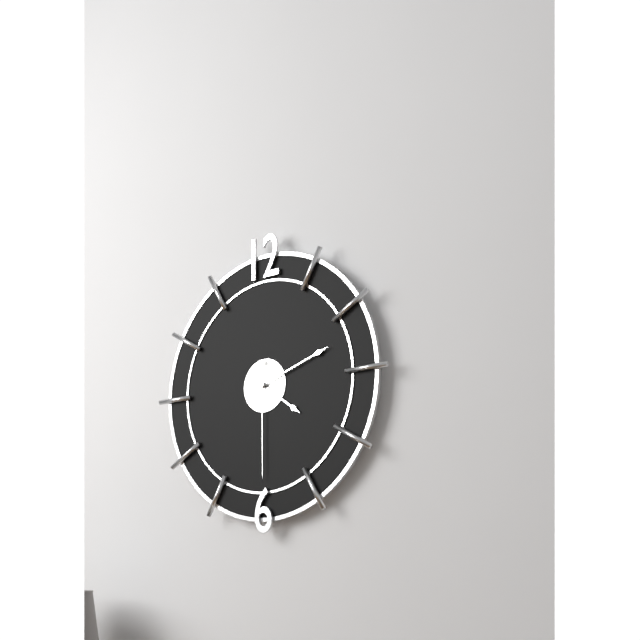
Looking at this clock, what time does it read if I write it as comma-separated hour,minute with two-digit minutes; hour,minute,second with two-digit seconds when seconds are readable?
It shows 4,12,30
